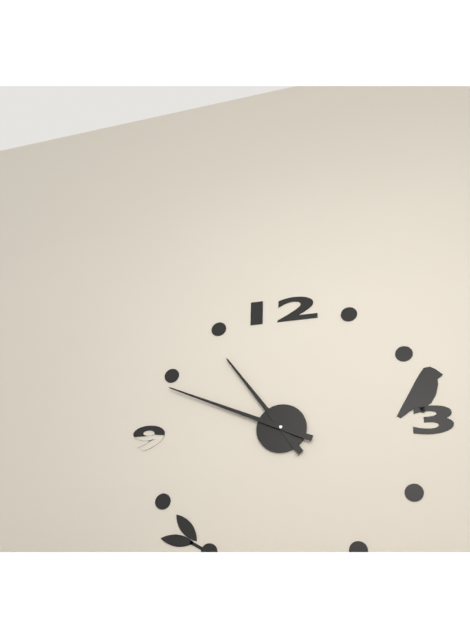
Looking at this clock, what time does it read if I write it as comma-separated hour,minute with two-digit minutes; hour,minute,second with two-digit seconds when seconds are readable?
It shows 10,49
